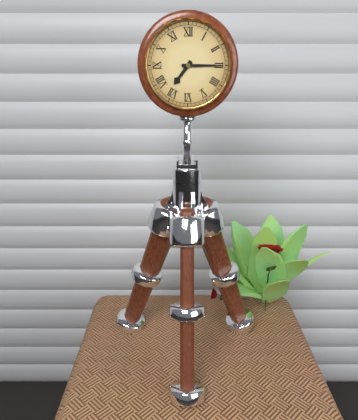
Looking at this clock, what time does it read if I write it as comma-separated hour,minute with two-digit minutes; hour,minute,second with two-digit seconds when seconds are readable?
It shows 7,15
